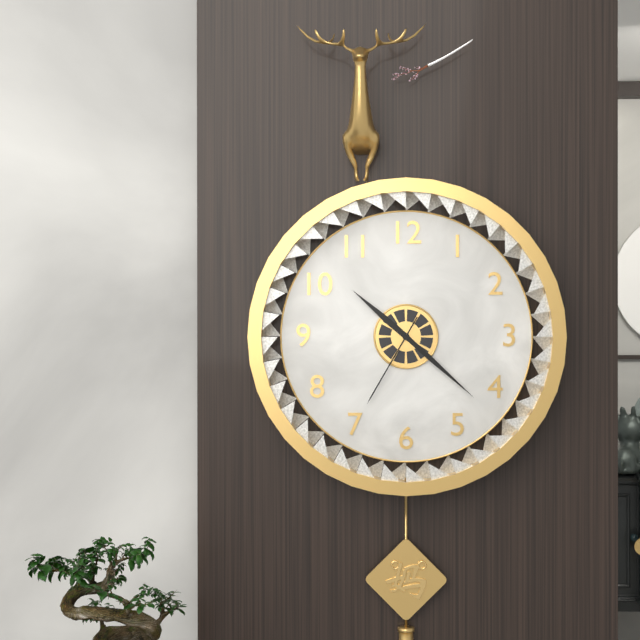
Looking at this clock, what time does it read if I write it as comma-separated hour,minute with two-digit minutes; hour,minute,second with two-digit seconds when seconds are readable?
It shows 10,22,35
